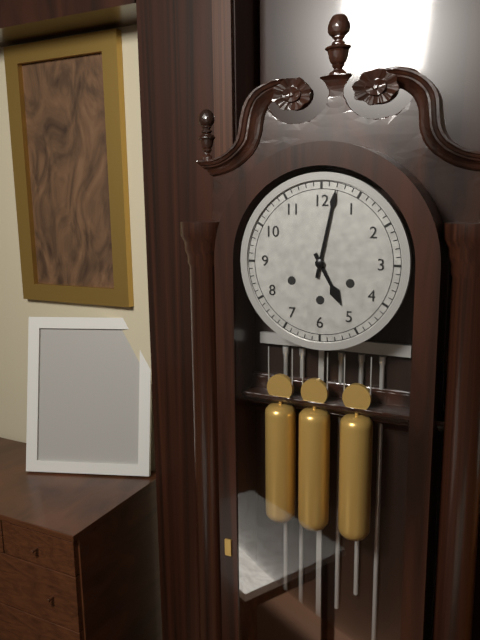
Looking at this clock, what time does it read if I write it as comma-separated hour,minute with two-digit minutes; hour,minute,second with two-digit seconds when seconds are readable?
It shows 5,02
